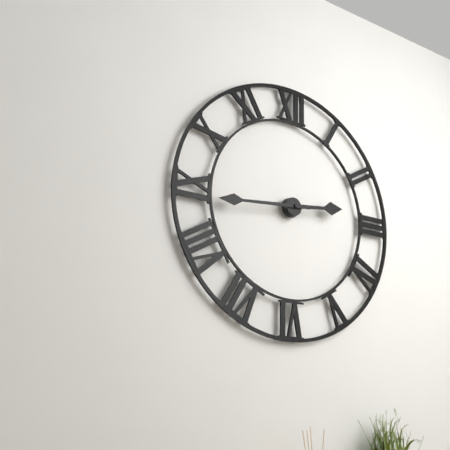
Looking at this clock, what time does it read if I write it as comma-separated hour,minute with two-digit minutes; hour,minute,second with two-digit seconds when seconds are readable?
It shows 2,44
